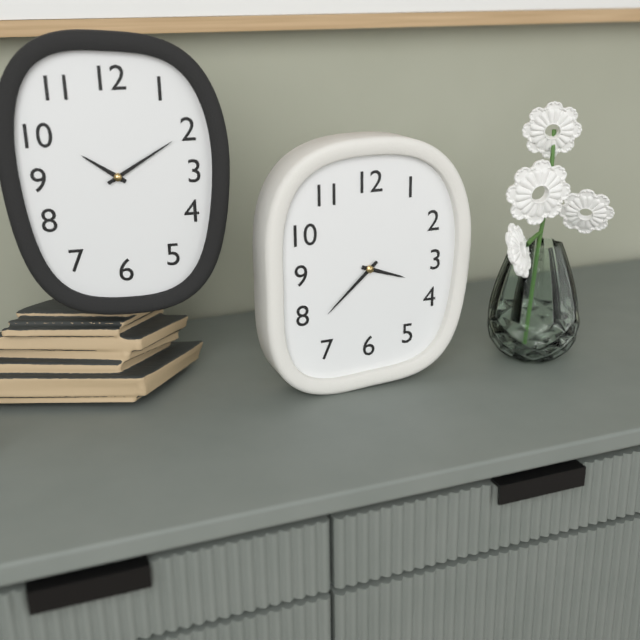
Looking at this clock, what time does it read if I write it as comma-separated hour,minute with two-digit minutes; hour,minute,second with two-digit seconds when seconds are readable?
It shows 3,38
